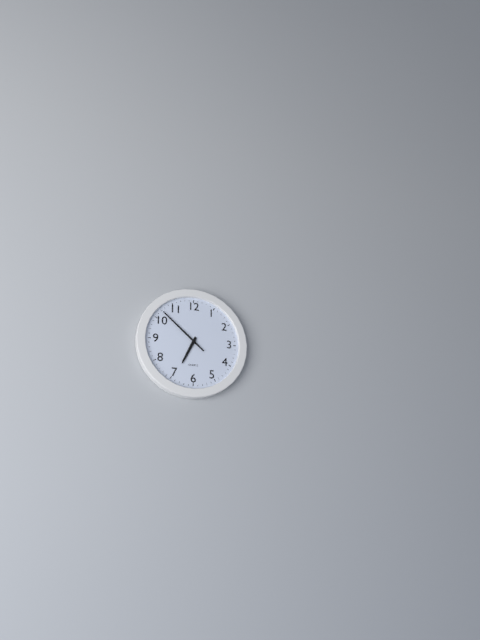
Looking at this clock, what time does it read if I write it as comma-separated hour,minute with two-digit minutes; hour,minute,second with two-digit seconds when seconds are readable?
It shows 6,52
